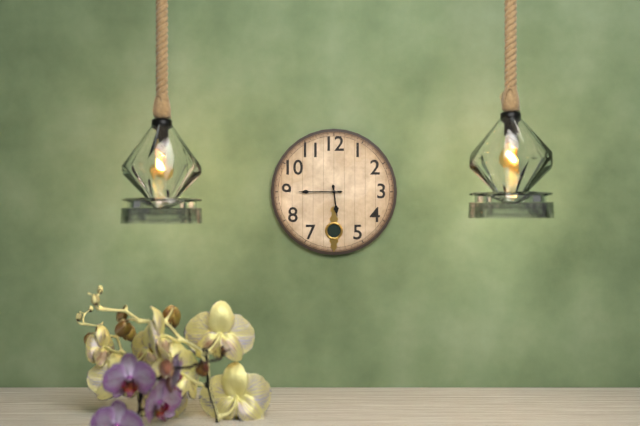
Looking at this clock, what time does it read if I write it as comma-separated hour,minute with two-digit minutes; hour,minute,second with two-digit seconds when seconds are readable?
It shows 5,45
